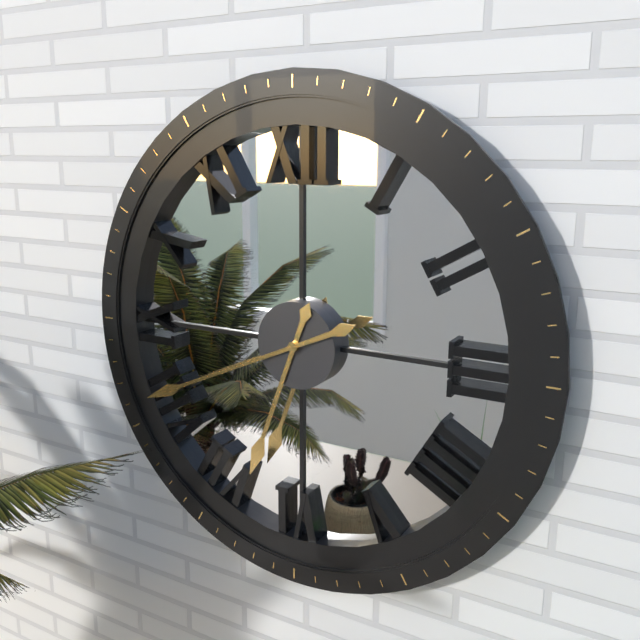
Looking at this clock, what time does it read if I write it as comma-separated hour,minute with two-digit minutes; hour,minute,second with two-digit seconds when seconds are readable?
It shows 6,41
